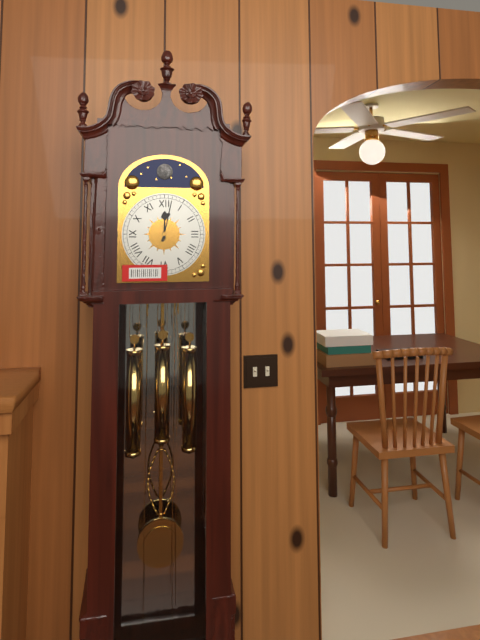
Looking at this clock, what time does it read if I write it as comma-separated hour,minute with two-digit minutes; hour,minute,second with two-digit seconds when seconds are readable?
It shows 12,02
